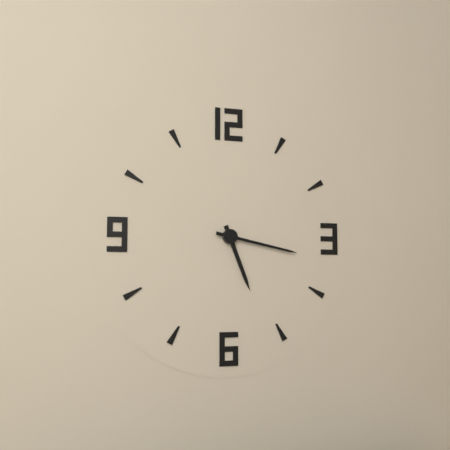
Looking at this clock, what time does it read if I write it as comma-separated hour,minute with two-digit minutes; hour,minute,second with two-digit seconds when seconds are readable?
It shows 5,17
